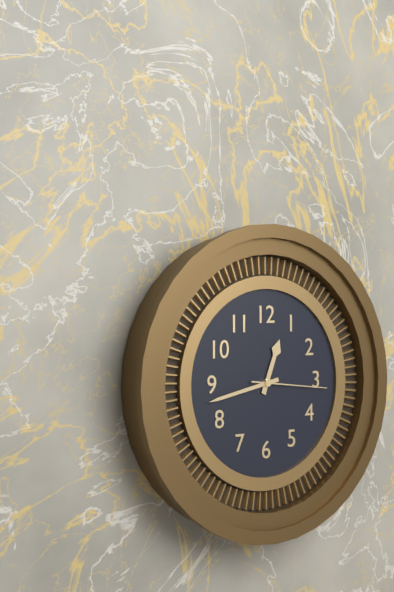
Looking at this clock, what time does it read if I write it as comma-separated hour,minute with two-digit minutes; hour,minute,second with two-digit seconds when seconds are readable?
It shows 12,43,16
